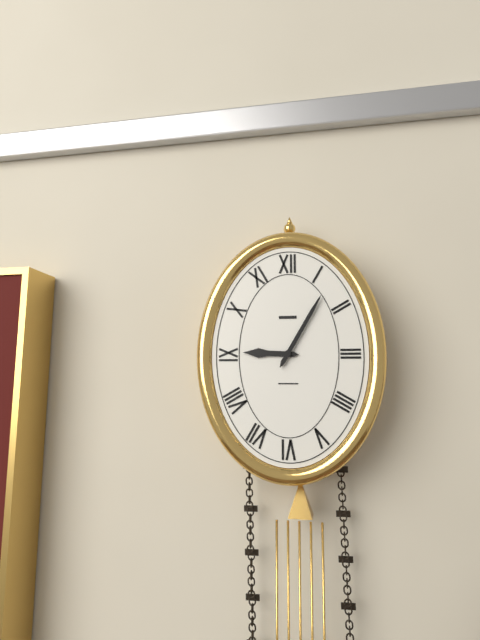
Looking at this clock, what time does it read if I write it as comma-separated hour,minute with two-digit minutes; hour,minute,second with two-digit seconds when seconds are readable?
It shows 9,05
